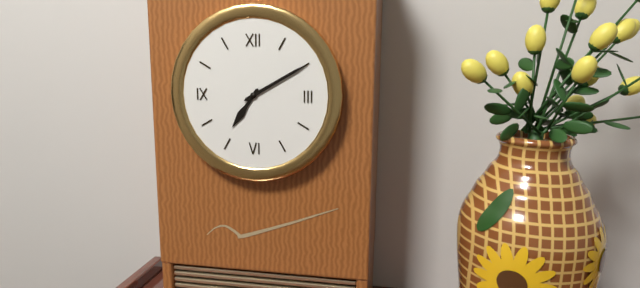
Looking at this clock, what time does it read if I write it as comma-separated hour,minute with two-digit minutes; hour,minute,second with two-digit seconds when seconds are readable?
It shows 7,10
